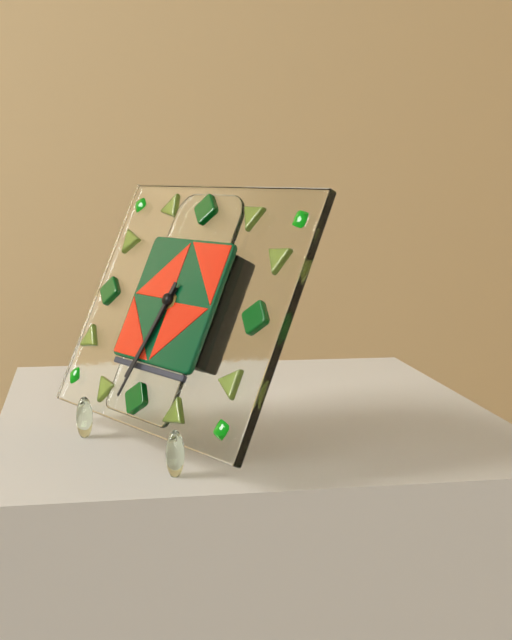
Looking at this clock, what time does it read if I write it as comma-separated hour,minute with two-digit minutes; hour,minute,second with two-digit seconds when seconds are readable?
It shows 6,32
